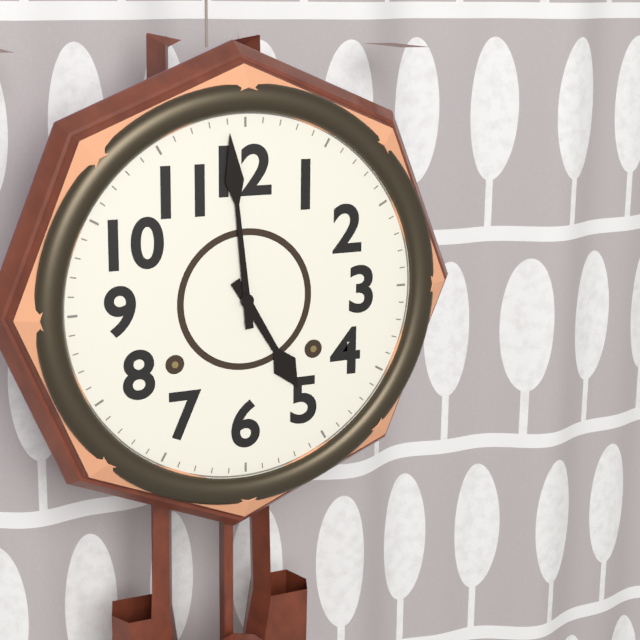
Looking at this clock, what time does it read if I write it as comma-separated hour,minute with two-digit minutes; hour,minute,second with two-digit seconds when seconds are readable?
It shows 4,59
